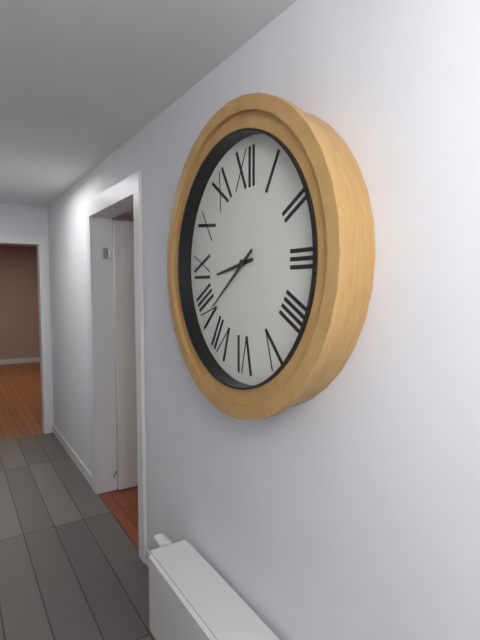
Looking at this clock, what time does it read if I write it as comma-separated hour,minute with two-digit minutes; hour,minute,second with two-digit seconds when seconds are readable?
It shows 8,39
